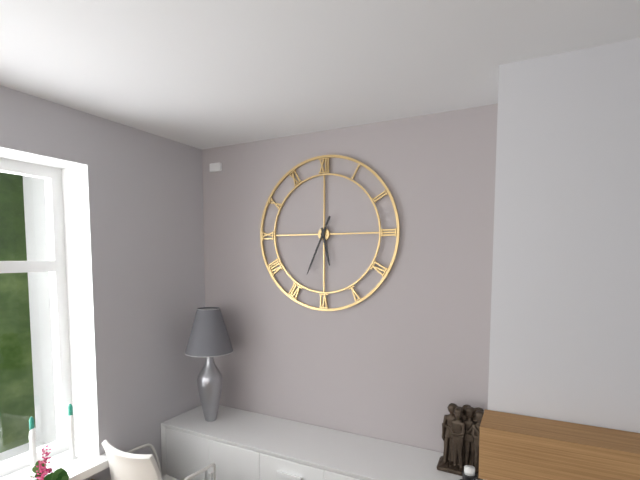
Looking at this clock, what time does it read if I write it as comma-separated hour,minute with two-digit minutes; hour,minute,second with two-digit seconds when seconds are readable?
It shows 5,34
